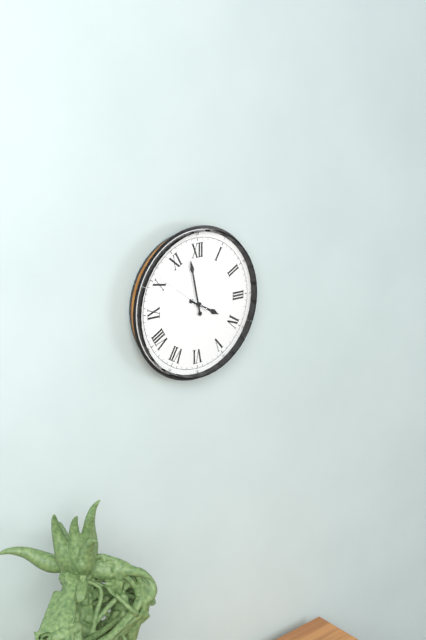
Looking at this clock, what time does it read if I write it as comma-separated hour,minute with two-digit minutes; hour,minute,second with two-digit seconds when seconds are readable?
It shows 3,58,51
